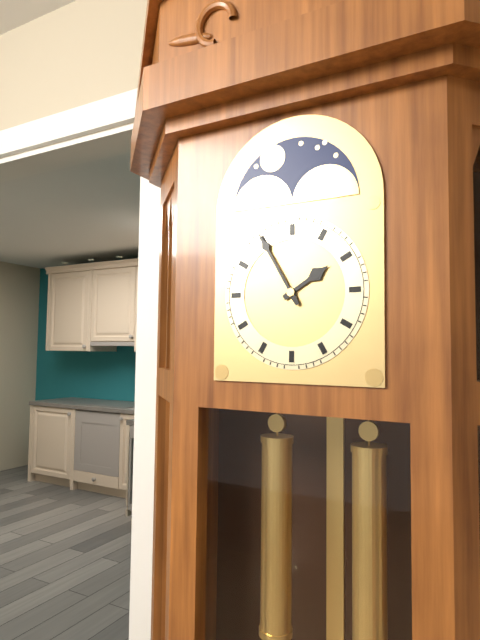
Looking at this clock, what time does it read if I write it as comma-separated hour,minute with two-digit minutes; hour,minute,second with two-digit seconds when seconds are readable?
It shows 1,55
